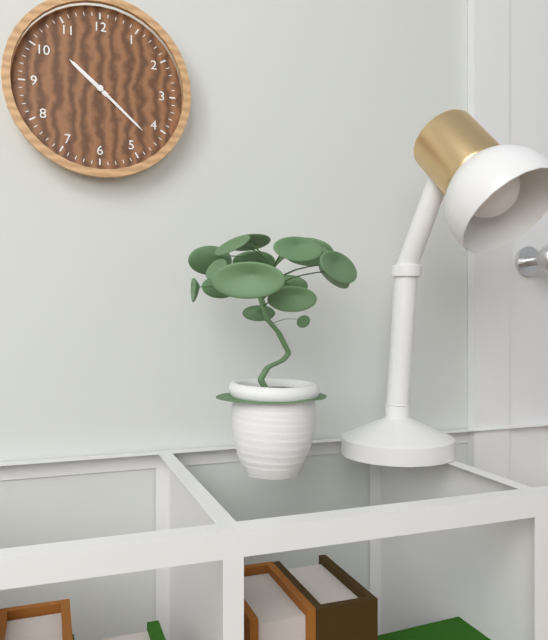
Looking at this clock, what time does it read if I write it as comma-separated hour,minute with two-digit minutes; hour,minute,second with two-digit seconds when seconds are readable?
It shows 10,22
